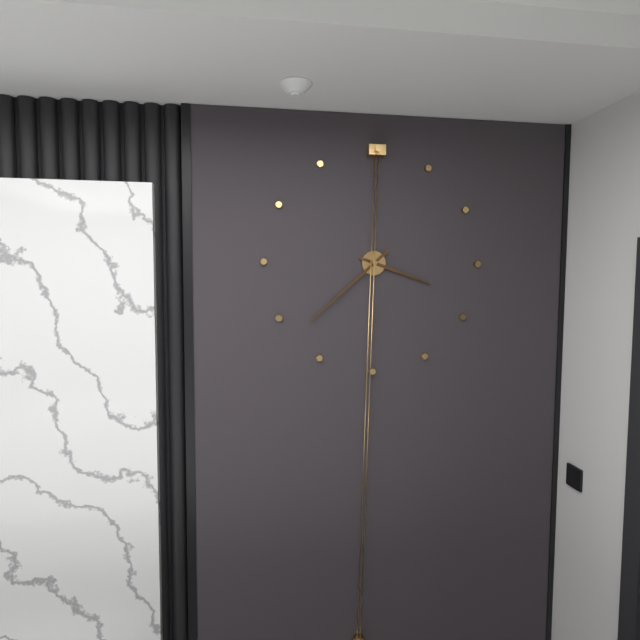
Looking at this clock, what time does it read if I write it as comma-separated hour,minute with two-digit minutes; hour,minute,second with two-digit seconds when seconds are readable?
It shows 3,38
